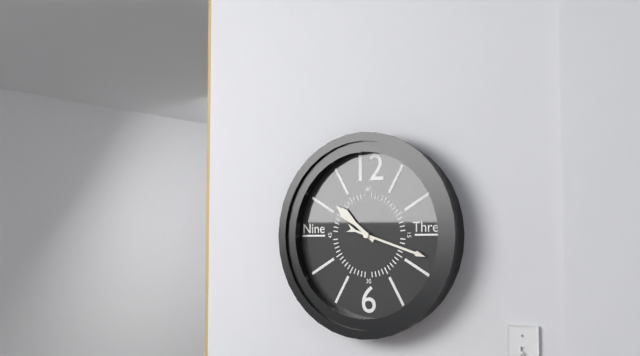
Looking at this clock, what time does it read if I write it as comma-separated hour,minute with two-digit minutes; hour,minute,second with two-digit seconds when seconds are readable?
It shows 10,18
